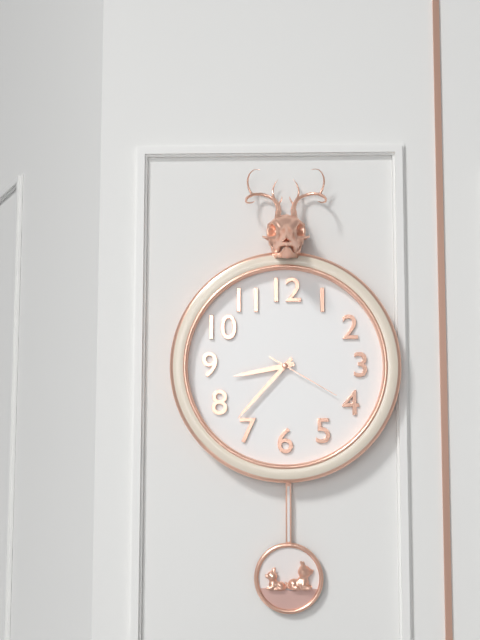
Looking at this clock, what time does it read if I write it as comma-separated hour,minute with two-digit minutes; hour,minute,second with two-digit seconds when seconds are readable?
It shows 8,37,20
